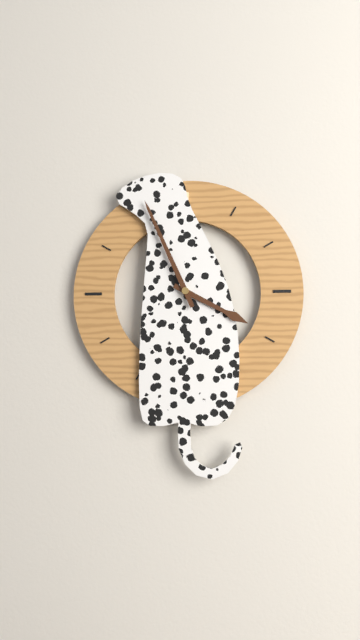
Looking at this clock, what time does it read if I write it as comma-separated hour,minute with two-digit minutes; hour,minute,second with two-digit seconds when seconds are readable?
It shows 3,56
